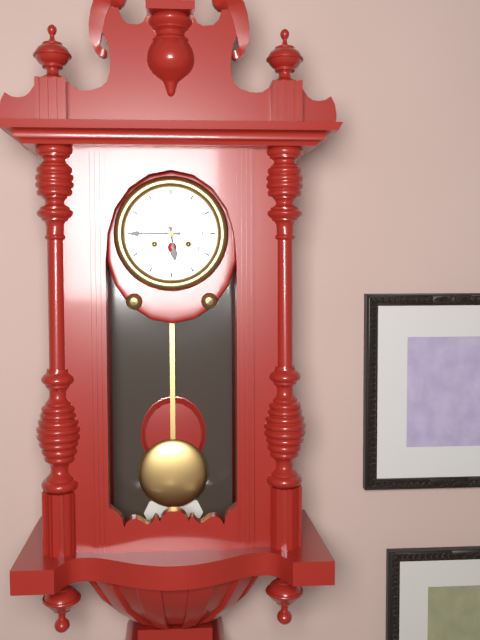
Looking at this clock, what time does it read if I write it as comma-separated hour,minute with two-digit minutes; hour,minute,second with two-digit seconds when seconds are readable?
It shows 5,45
